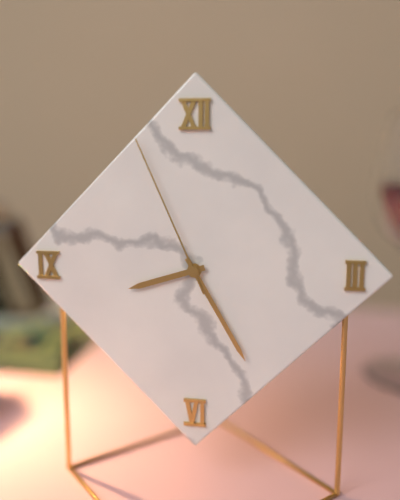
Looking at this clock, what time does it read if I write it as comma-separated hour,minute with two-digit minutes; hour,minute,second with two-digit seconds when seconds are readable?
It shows 8,25,56
